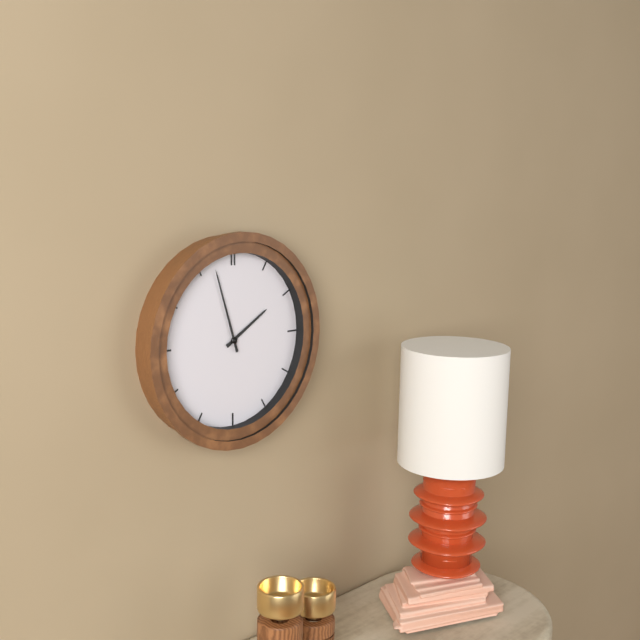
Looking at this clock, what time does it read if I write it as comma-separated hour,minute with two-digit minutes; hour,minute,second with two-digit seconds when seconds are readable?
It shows 1,57
